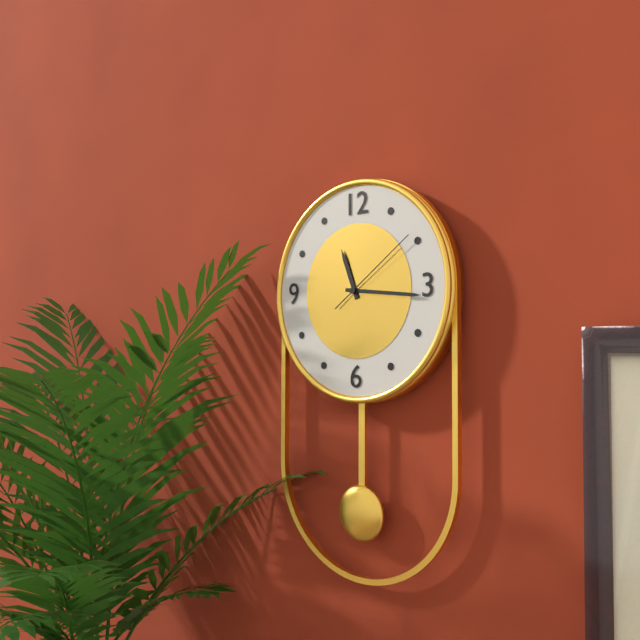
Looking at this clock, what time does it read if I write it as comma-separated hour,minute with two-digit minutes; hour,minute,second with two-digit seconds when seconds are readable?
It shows 11,16,09
